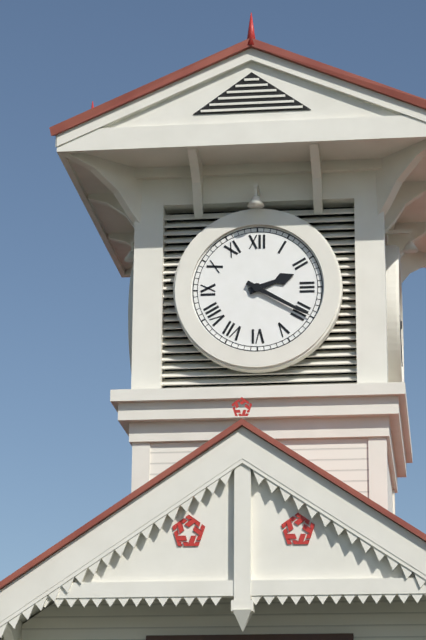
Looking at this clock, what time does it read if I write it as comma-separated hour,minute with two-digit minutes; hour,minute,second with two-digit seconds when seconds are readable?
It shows 2,20
